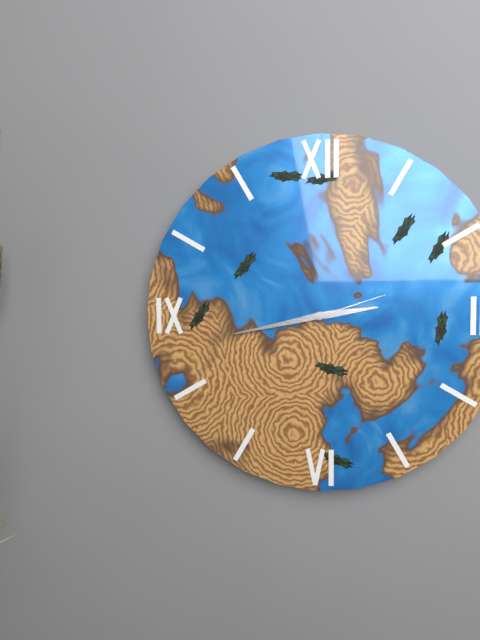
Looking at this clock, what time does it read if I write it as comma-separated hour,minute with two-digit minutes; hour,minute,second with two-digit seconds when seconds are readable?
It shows 2,43,12
